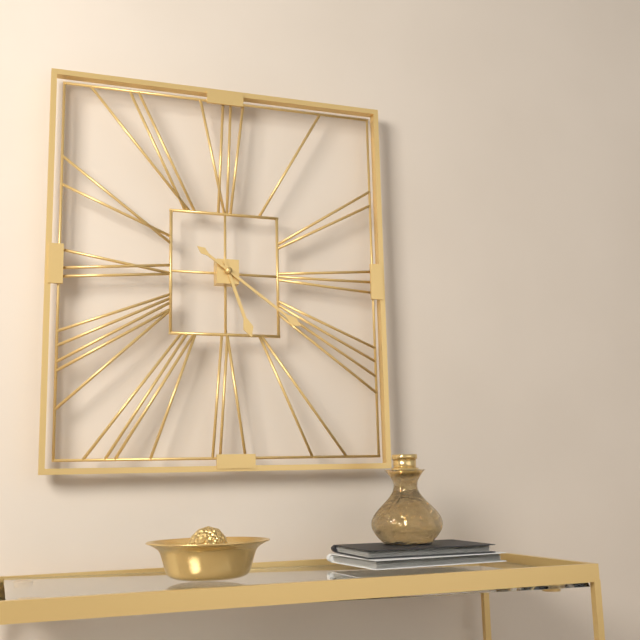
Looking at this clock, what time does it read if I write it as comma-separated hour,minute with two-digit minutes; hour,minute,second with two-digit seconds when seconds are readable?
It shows 5,21
